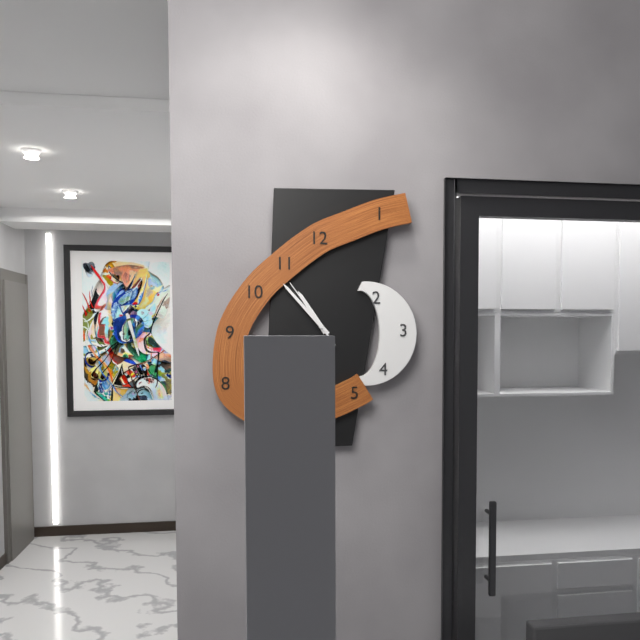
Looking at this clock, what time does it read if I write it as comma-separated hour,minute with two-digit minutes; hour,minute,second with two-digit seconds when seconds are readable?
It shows 10,53,54
